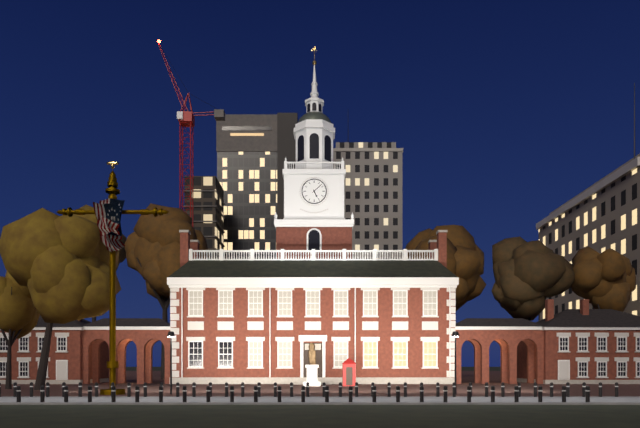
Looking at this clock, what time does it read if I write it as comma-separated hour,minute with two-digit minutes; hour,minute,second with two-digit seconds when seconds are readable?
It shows 5,08
